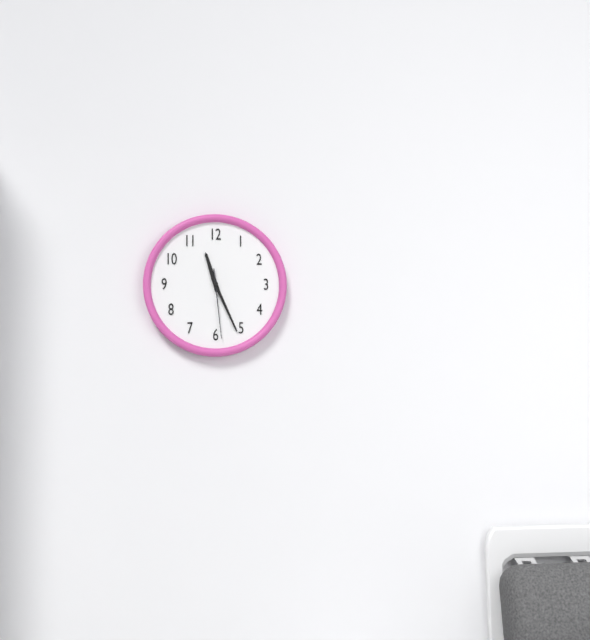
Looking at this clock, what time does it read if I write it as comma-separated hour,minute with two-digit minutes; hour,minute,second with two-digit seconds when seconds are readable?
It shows 11,26,29
